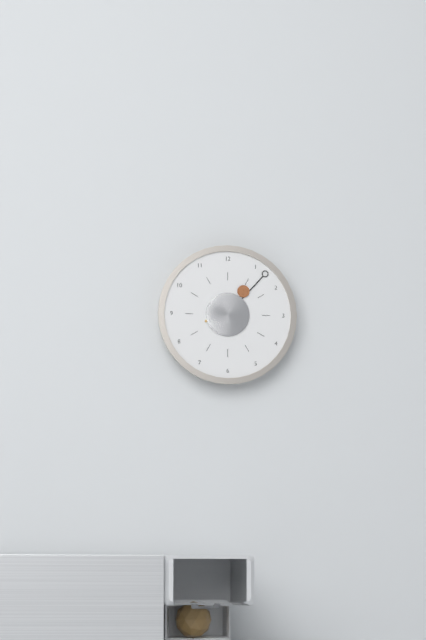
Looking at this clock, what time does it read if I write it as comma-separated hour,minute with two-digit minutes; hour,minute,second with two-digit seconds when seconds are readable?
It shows 1,07
